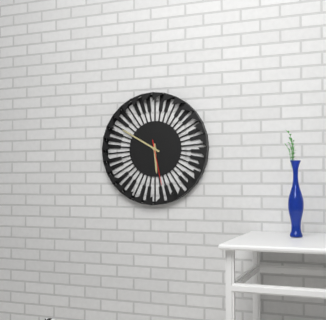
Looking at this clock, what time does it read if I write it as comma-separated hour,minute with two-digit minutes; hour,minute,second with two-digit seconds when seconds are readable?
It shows 5,50
